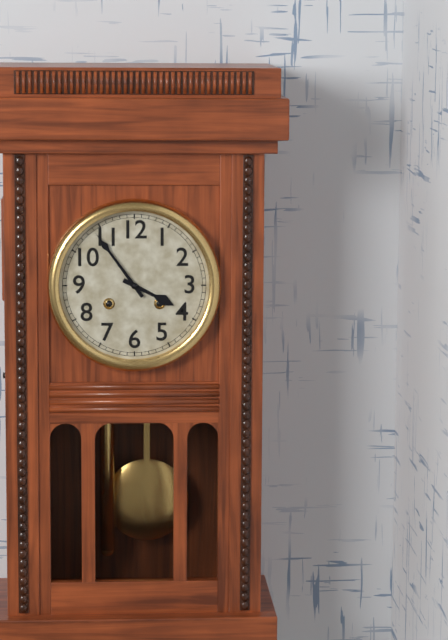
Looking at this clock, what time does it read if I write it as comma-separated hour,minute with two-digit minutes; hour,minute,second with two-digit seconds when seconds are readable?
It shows 3,54
